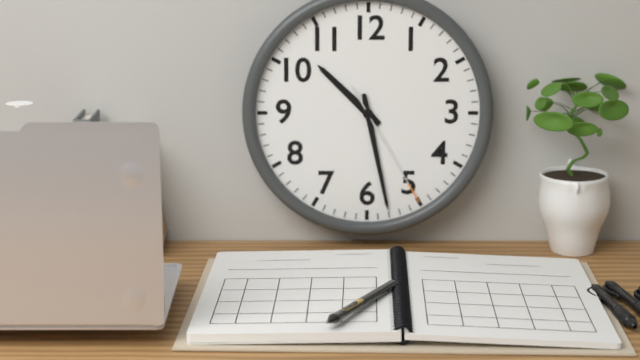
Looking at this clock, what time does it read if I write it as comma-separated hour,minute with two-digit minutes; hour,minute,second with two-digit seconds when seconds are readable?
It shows 10,28,25
